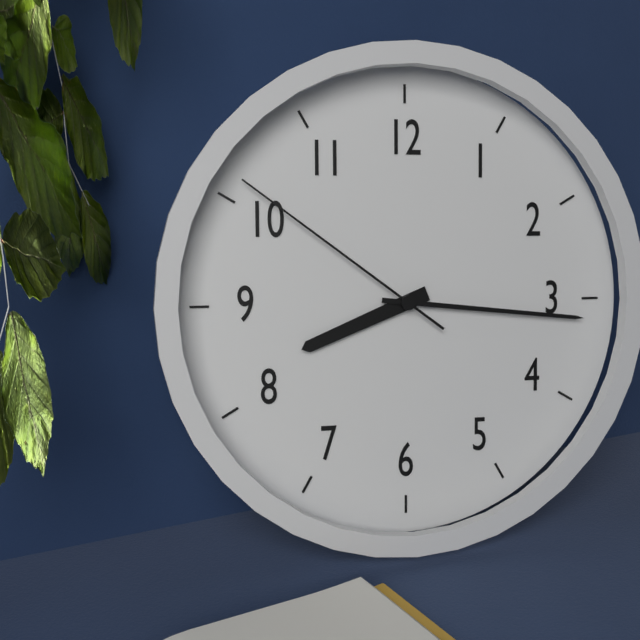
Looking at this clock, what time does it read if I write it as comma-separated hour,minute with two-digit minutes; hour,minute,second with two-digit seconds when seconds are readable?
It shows 8,16,51
